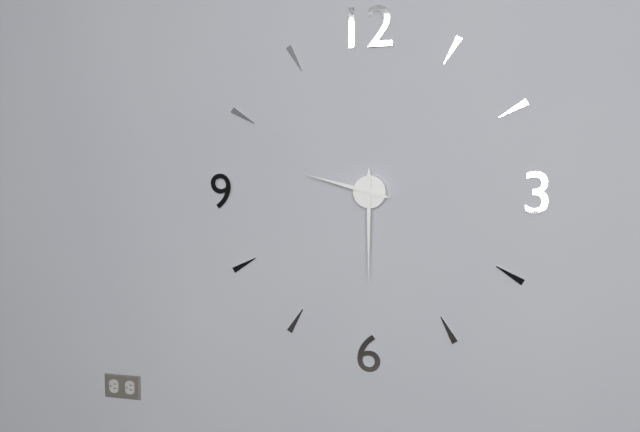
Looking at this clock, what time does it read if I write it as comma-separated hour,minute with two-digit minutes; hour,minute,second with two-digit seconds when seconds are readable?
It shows 9,30
